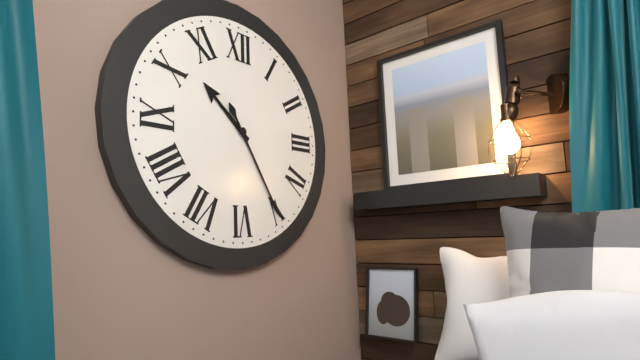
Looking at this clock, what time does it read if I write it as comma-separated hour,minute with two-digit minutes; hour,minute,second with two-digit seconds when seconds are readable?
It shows 10,25
